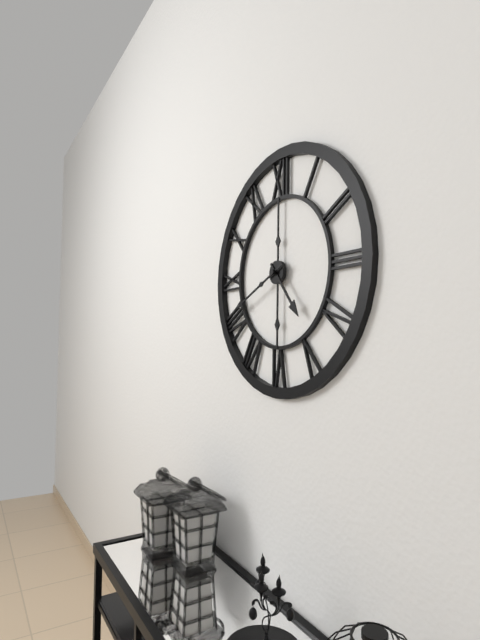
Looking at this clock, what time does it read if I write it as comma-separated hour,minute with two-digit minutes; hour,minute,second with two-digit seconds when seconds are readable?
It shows 4,41
